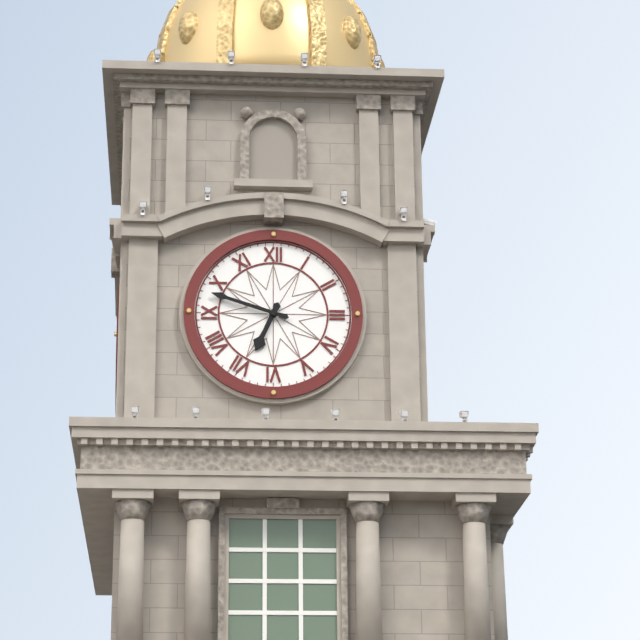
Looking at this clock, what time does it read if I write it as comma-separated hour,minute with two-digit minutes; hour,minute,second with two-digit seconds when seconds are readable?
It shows 6,48
